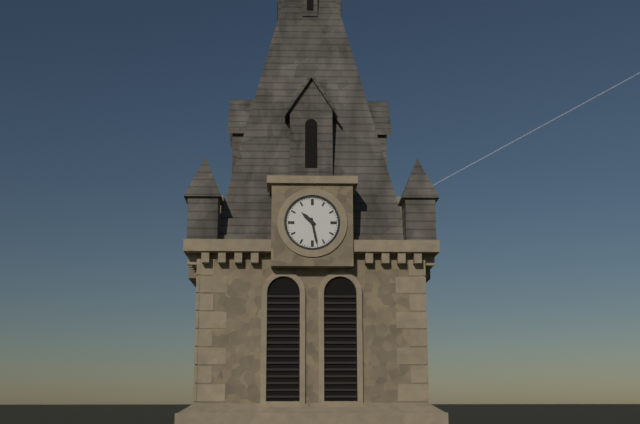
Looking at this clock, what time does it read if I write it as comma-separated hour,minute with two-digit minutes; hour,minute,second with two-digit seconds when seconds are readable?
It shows 10,28
